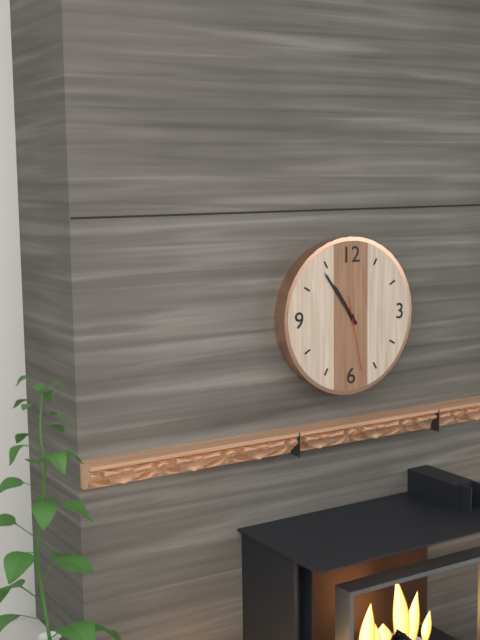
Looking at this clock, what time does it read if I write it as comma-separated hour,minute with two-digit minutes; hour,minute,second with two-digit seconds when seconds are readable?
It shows 10,54,28
